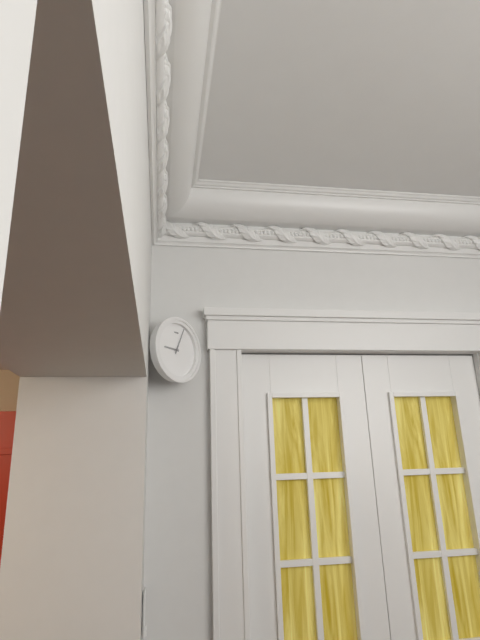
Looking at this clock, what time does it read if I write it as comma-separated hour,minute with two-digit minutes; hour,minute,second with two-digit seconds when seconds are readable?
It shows 9,04
